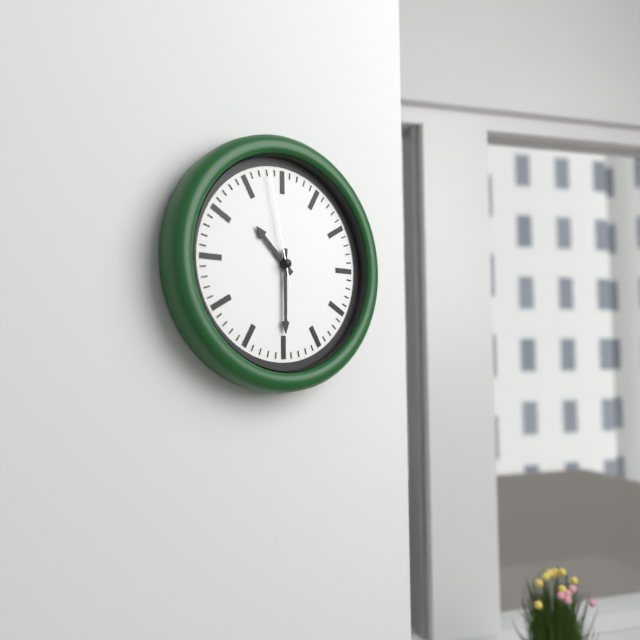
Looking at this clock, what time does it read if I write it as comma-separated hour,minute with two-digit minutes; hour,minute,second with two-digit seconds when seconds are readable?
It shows 10,30,58
